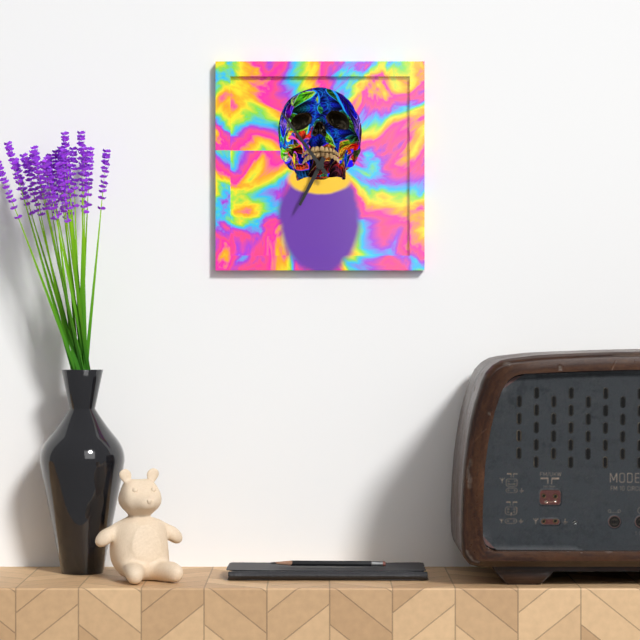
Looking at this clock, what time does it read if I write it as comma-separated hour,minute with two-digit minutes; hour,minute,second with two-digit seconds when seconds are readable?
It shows 6,54
